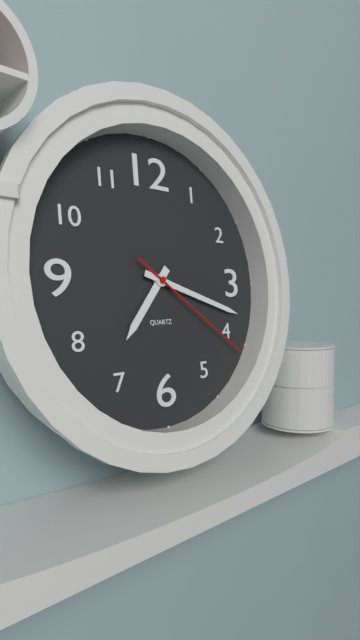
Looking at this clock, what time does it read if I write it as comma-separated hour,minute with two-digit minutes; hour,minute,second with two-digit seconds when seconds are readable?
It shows 7,18,21
